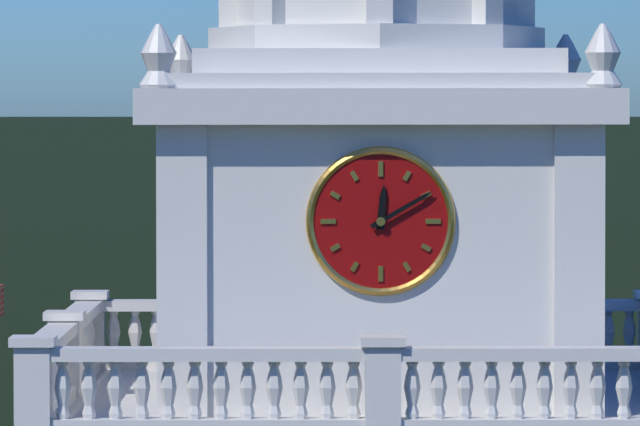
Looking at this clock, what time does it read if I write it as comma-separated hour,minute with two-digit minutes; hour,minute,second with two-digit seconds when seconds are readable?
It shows 12,10
